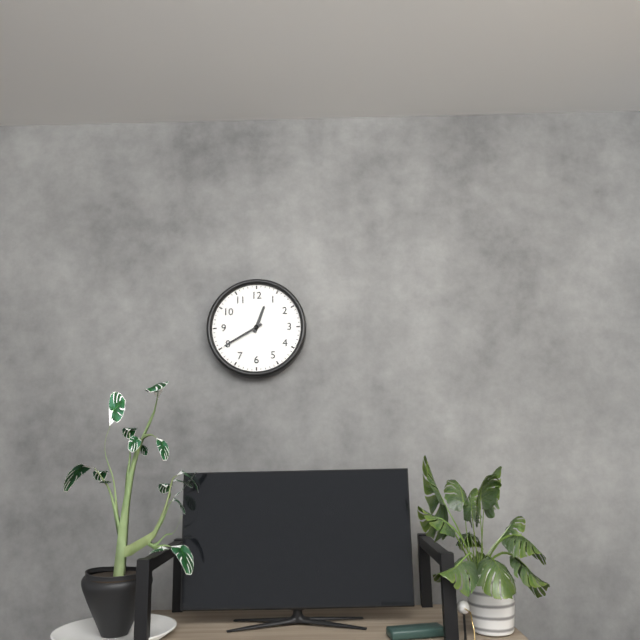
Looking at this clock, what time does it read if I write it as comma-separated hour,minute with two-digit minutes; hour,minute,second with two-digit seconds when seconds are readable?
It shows 12,40
